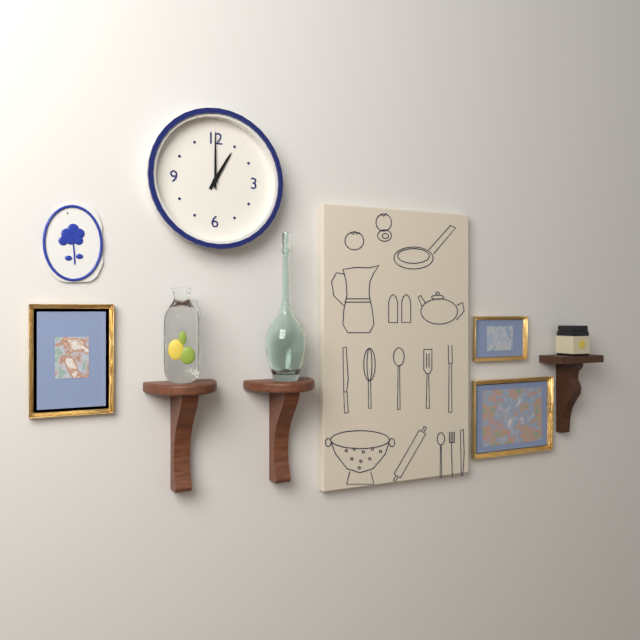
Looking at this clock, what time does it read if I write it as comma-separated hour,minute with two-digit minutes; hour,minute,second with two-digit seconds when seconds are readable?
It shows 1,00
